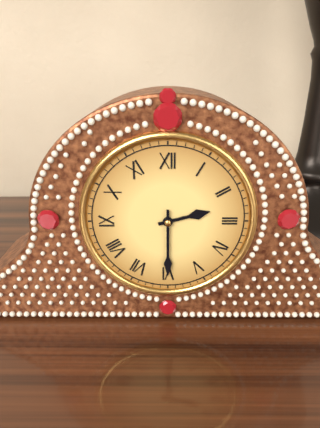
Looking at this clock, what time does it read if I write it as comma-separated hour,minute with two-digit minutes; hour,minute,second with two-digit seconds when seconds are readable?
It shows 2,30
